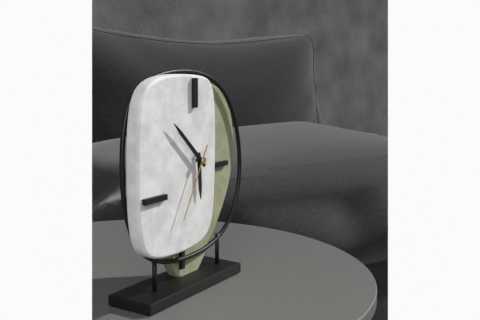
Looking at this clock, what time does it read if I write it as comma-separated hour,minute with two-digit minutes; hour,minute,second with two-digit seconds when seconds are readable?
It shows 5,52,35
